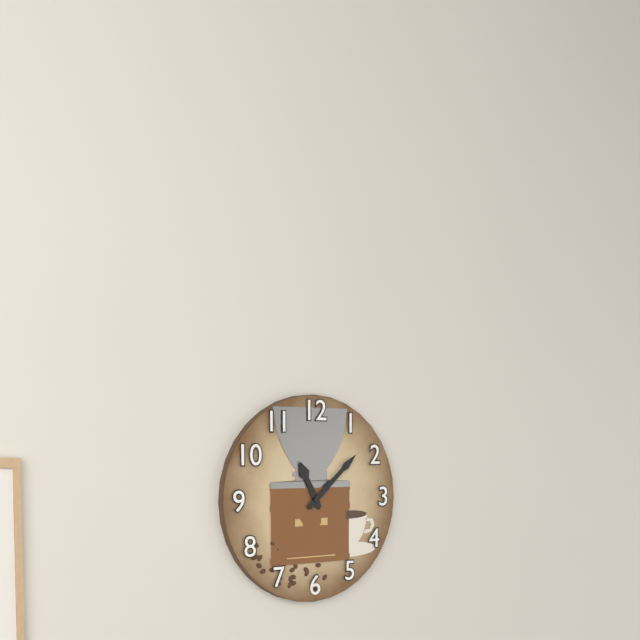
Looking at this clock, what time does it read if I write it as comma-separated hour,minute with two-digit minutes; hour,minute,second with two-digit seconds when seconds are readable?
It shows 11,08
